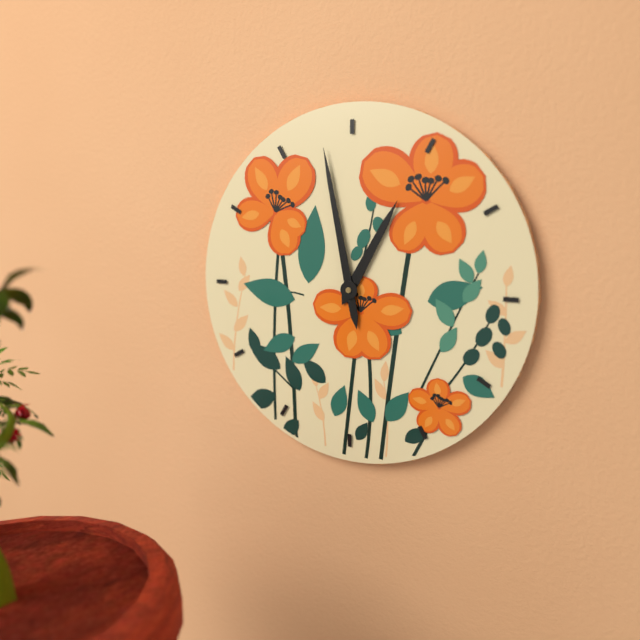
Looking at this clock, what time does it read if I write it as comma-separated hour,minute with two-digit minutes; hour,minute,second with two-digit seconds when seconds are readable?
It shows 12,58
